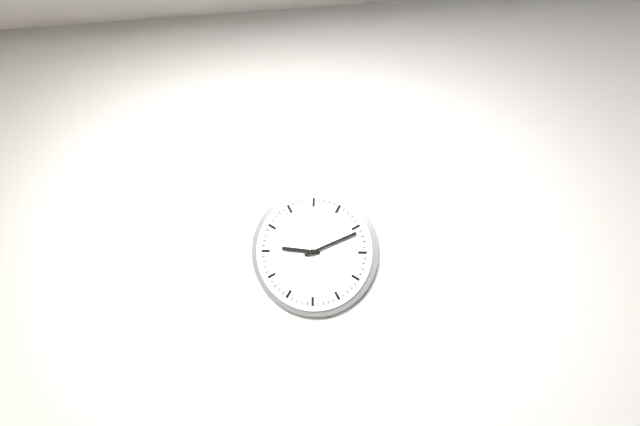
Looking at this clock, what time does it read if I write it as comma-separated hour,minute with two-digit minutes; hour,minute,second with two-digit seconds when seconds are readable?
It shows 9,11
